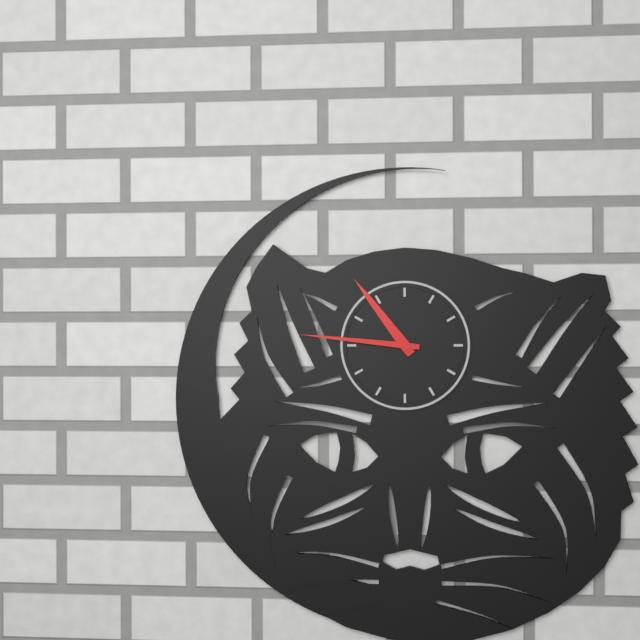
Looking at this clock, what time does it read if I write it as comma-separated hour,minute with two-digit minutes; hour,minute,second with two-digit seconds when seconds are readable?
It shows 10,46
